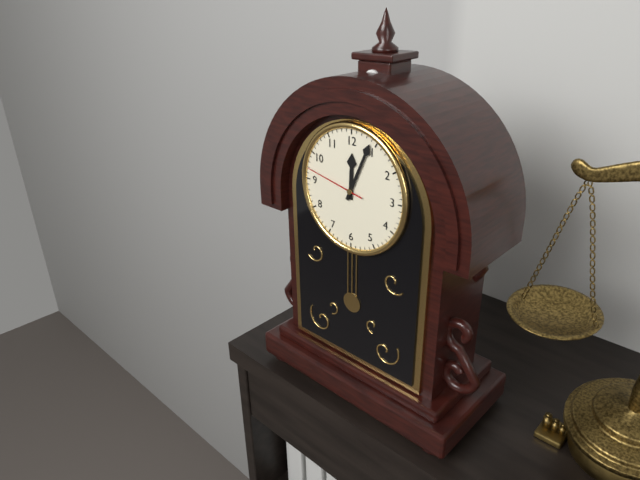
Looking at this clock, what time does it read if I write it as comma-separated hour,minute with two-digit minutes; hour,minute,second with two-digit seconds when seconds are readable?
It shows 12,04,47
